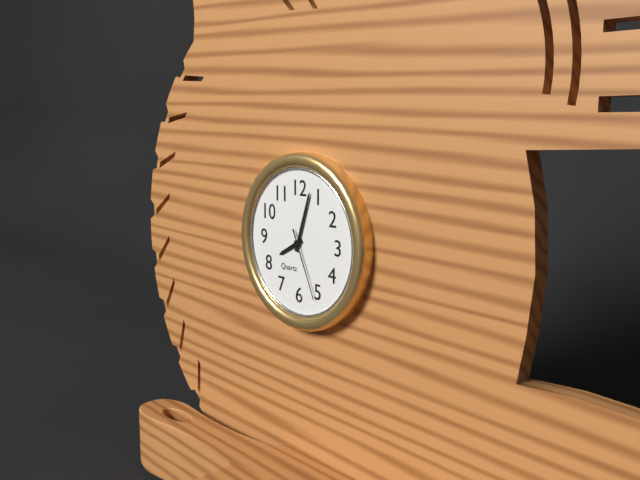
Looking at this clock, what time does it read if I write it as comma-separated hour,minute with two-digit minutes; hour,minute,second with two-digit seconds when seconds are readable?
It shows 8,03,26
